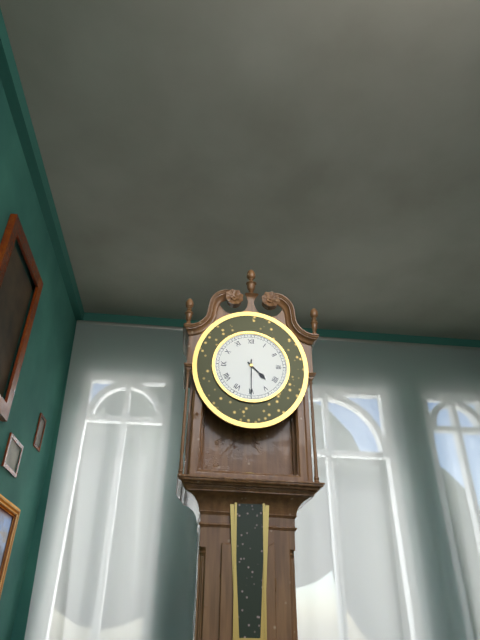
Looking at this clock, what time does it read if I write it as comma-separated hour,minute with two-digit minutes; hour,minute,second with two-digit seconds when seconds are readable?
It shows 4,30
